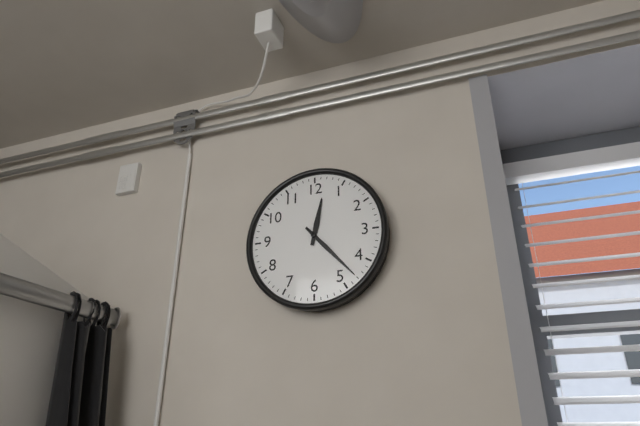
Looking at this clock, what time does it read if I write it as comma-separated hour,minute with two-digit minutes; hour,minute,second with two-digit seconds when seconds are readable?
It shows 12,23
